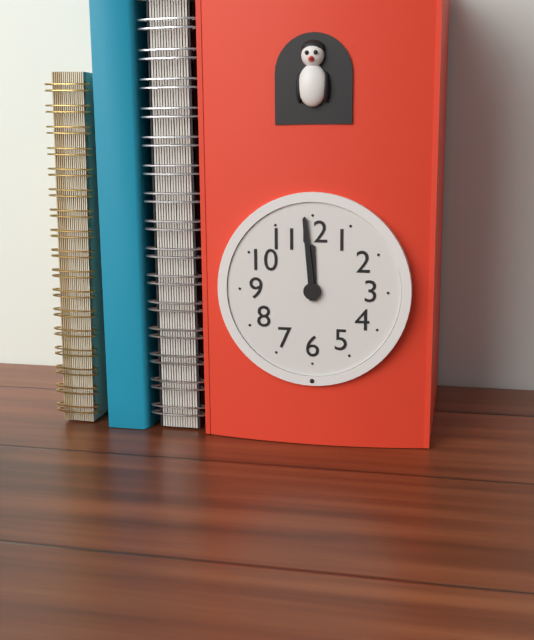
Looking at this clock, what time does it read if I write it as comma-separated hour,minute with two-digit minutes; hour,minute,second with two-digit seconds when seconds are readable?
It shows 11,59
